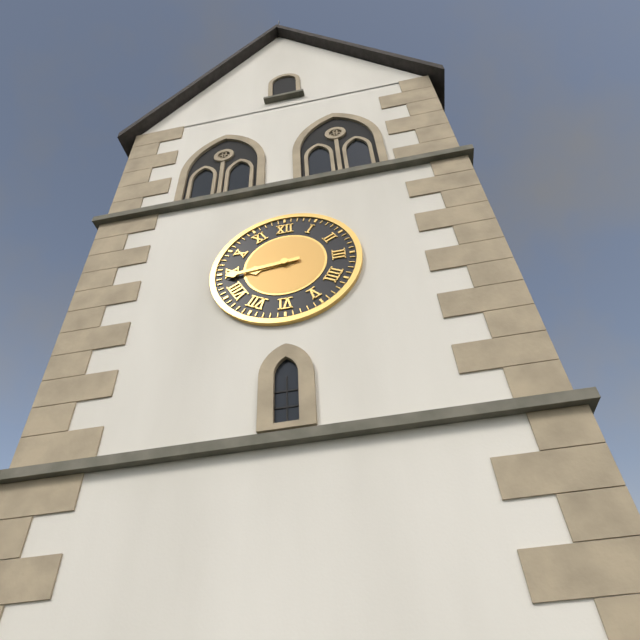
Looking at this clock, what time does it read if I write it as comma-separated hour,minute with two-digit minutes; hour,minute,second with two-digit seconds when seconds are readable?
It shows 8,44
